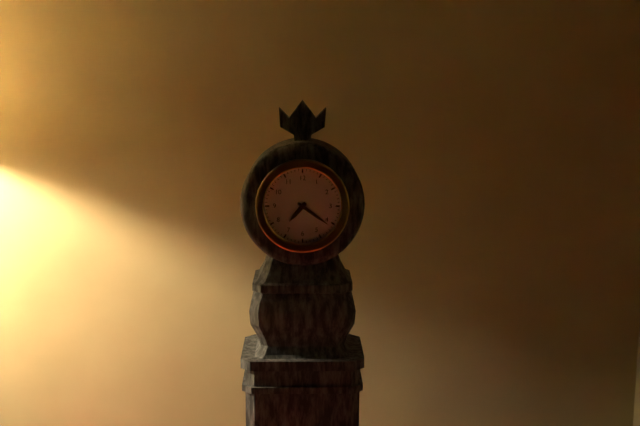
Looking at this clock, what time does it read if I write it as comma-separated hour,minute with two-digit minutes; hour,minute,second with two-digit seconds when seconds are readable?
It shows 7,21
